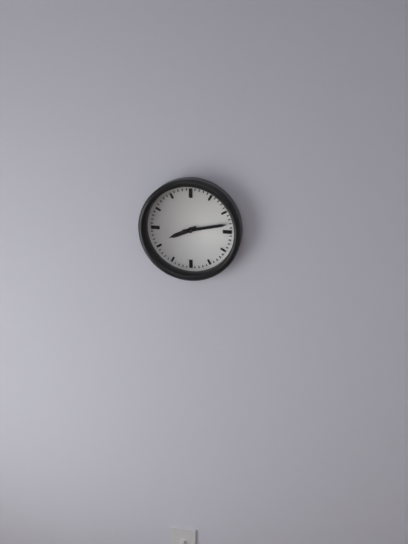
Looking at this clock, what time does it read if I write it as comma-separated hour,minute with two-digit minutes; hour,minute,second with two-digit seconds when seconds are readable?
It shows 8,13
